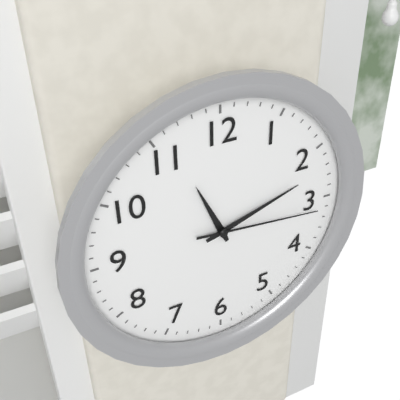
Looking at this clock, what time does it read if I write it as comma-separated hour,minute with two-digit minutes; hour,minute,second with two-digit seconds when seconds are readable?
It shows 11,12,16
